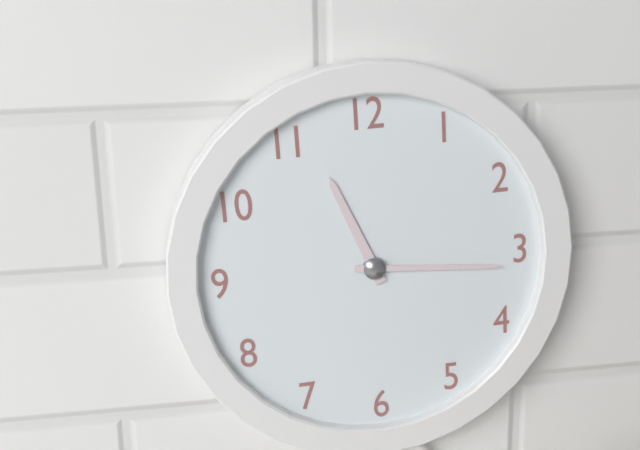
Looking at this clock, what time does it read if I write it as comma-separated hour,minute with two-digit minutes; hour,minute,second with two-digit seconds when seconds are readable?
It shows 11,16
